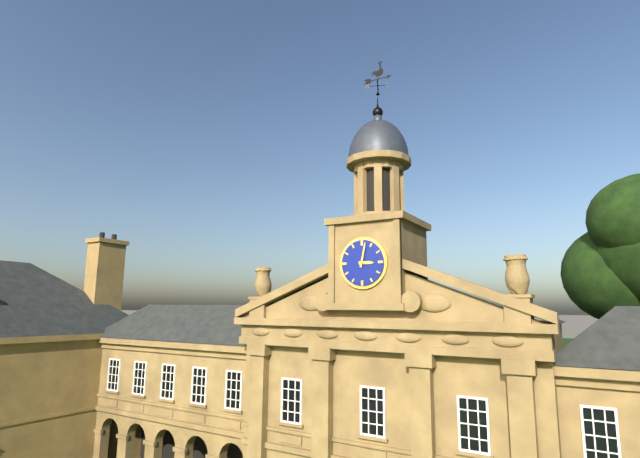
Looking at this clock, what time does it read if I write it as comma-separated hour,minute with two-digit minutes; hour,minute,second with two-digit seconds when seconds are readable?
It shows 3,02
